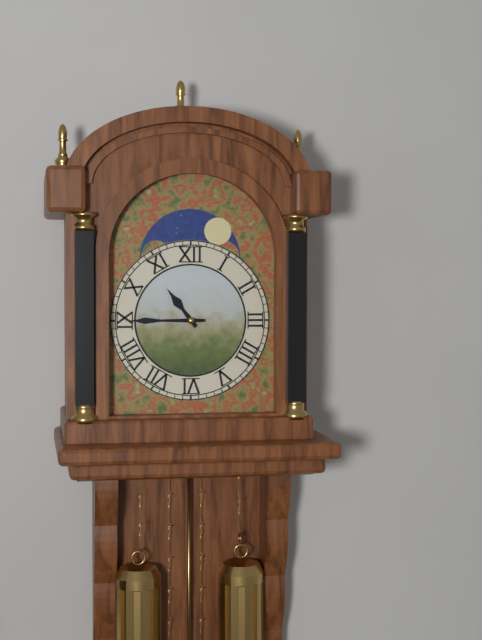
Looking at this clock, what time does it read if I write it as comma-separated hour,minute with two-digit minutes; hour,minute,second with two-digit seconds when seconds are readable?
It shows 10,45
